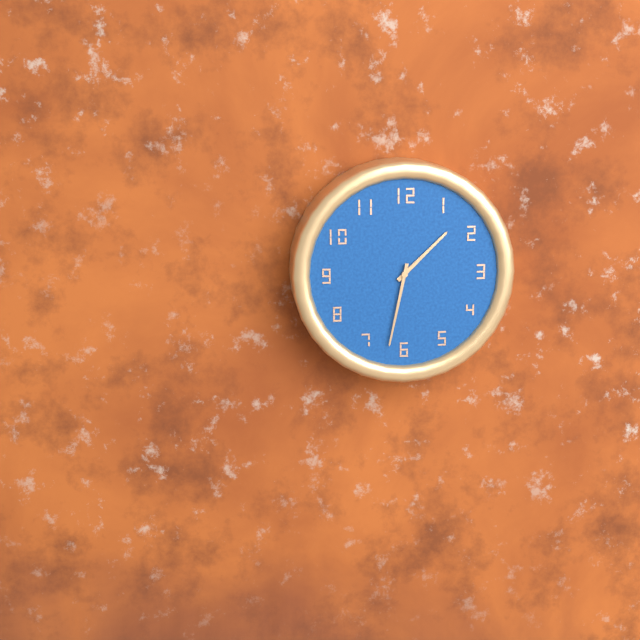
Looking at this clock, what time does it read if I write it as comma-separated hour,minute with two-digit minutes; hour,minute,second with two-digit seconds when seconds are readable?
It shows 1,32
